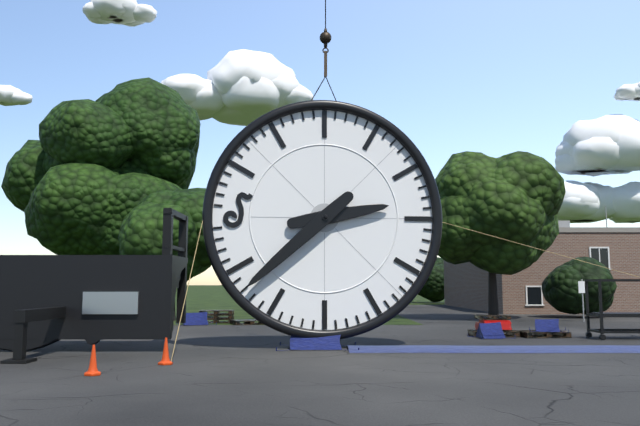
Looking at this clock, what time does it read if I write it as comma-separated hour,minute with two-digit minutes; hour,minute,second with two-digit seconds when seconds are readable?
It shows 2,38
